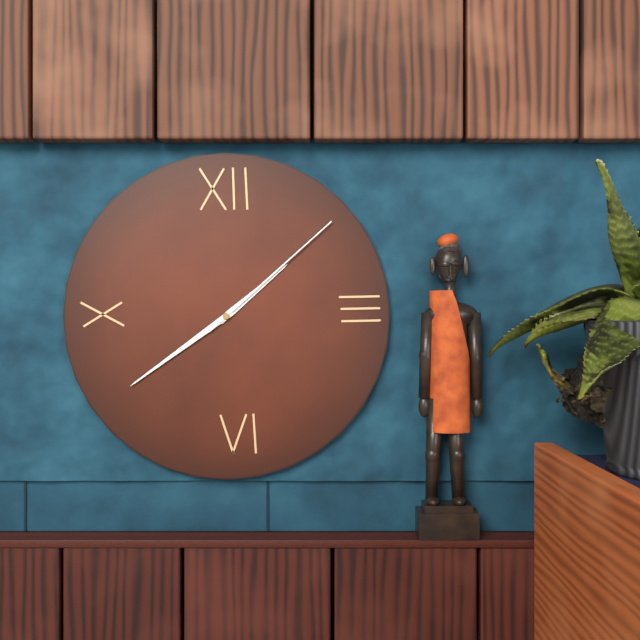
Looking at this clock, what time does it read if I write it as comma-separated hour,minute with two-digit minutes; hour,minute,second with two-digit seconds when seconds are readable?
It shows 1,39,08
